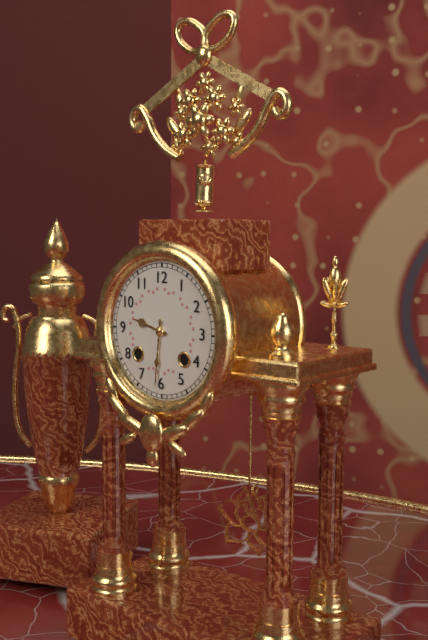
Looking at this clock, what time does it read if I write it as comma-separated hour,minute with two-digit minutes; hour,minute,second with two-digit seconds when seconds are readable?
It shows 9,31
